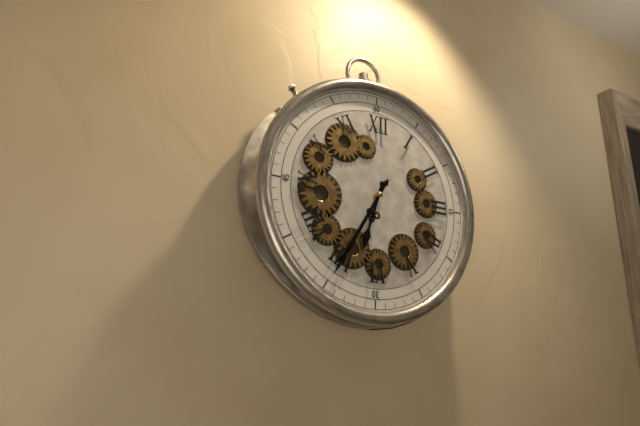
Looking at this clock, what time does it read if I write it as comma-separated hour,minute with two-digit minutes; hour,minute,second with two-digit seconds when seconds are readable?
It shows 6,35
